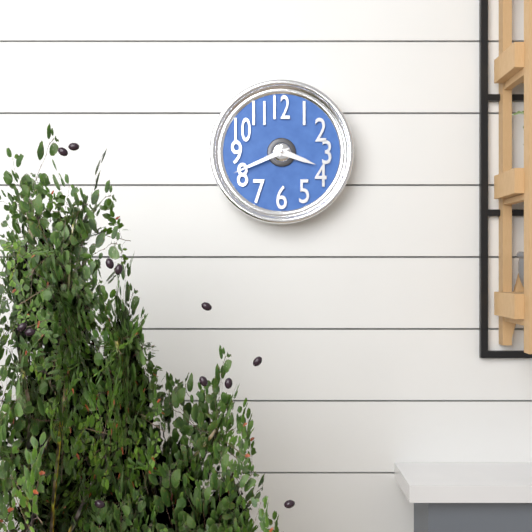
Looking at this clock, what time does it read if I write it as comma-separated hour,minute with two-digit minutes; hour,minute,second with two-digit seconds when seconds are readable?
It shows 3,41
